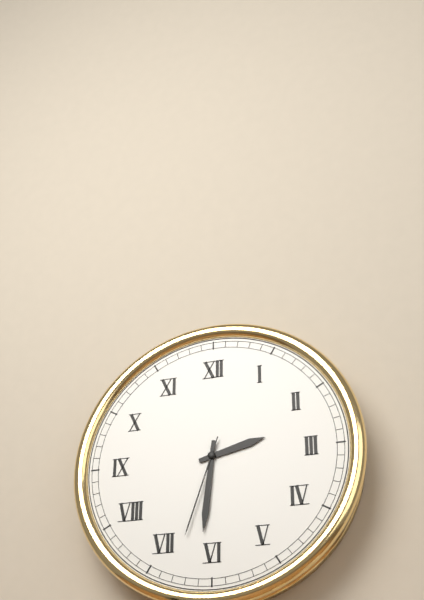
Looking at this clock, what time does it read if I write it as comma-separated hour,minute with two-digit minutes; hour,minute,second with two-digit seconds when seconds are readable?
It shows 2,31,33
